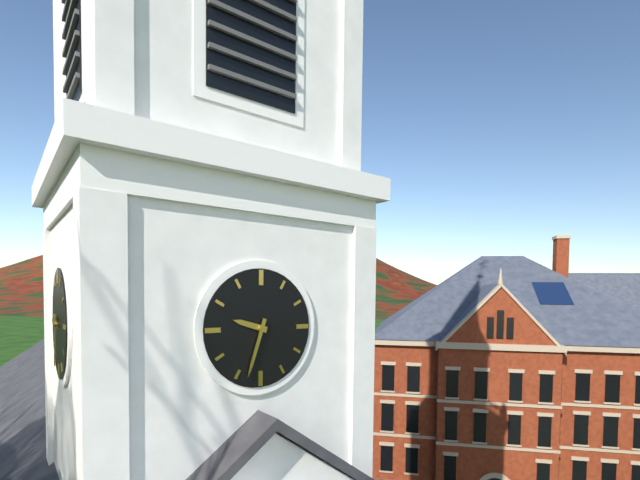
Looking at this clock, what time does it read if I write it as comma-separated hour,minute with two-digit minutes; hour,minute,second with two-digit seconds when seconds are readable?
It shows 9,33
